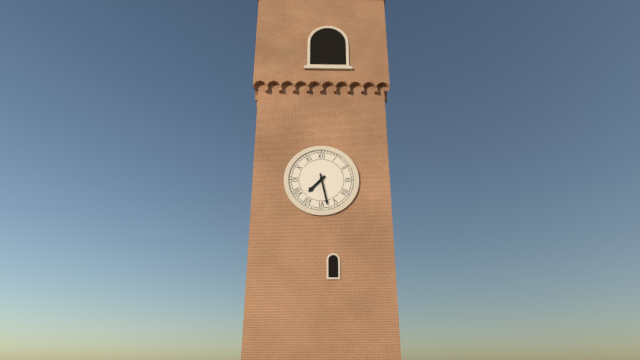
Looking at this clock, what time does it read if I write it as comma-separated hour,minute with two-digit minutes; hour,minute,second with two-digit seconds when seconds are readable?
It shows 7,28
